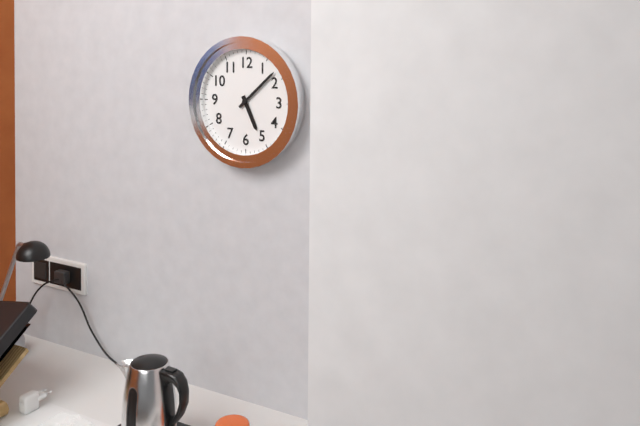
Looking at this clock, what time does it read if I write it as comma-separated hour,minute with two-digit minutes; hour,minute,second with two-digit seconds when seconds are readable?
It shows 5,08
